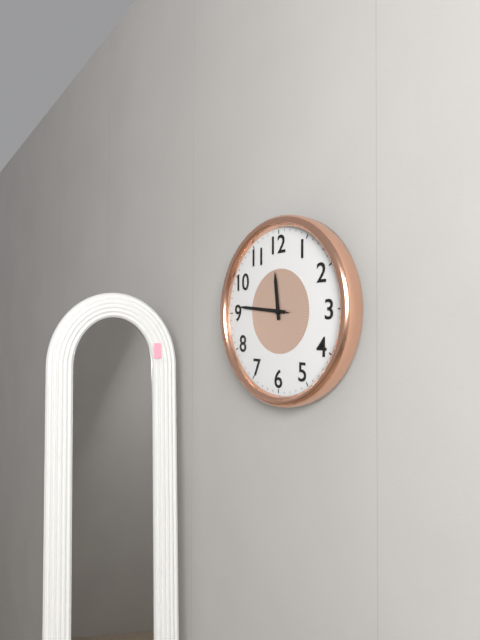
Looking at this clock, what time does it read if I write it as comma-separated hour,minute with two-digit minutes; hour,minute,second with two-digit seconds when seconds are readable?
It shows 11,46,46
